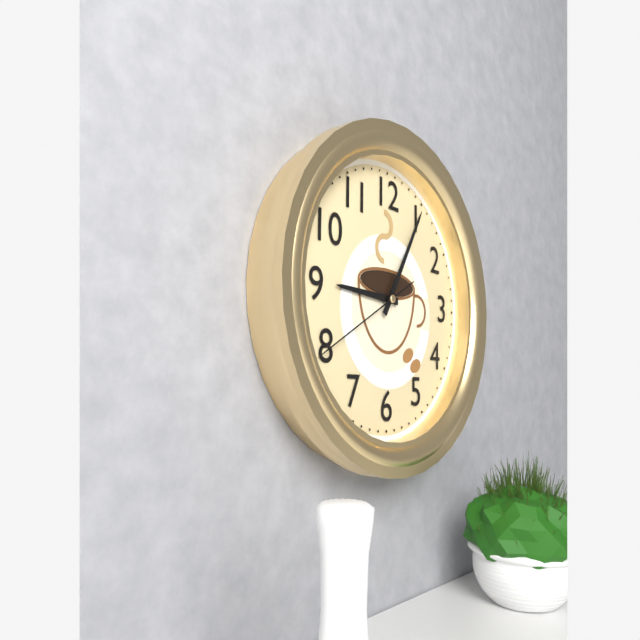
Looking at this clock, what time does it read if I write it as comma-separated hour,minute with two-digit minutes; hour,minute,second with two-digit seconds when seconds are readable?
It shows 9,05,40
